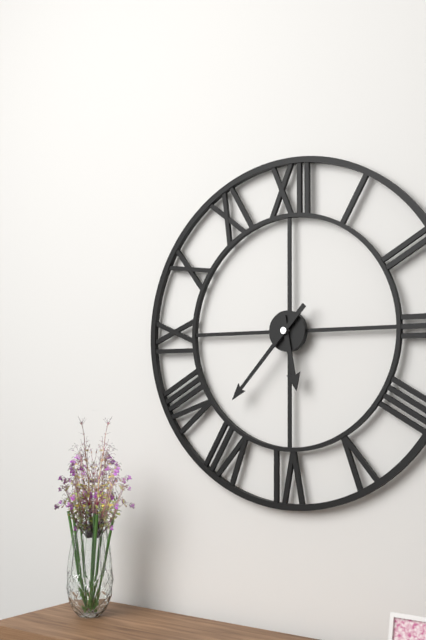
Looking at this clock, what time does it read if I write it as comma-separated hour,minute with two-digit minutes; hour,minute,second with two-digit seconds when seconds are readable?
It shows 5,37
